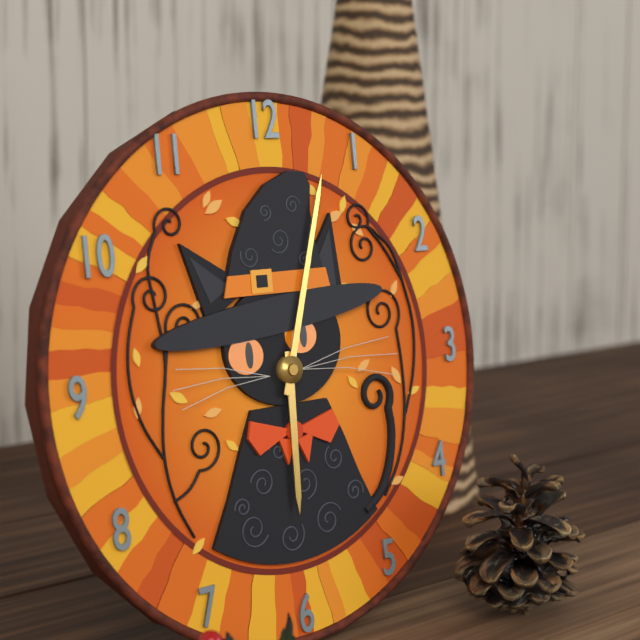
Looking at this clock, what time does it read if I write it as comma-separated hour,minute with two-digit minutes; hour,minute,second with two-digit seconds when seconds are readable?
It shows 6,03
